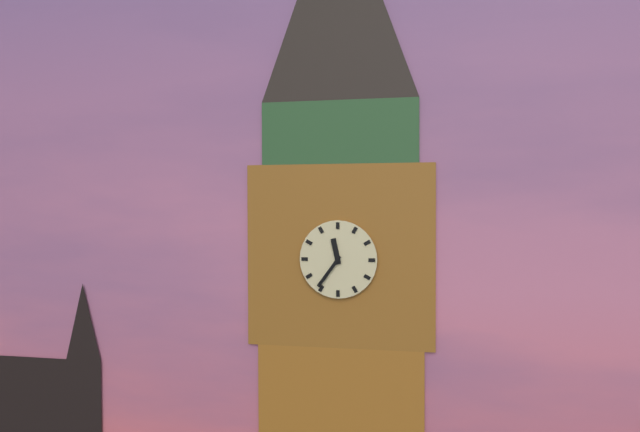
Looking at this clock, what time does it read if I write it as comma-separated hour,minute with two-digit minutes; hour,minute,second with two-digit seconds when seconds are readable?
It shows 11,36
